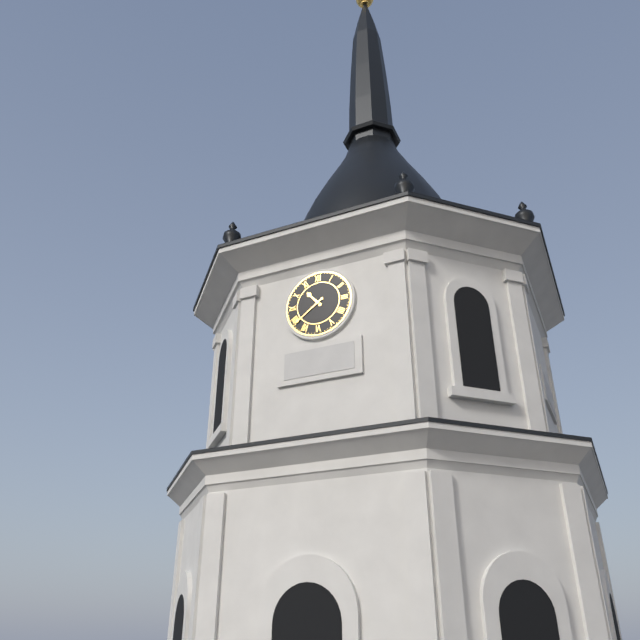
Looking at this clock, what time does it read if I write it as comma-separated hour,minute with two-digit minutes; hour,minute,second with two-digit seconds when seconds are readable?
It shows 10,39
